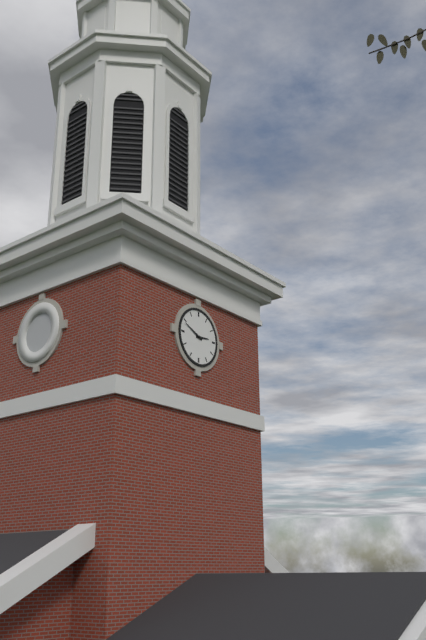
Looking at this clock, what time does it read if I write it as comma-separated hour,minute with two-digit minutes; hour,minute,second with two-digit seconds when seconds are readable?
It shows 2,49
